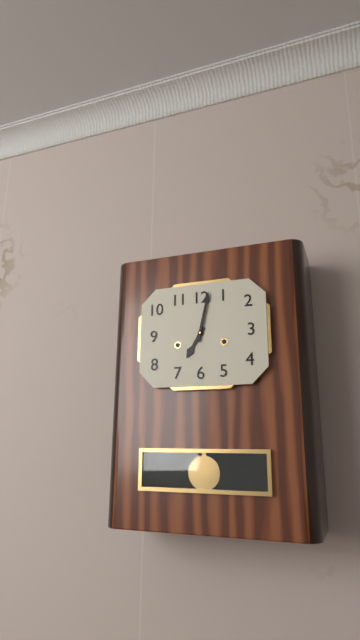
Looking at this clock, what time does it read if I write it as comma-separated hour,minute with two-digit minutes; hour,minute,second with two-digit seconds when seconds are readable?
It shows 7,02
